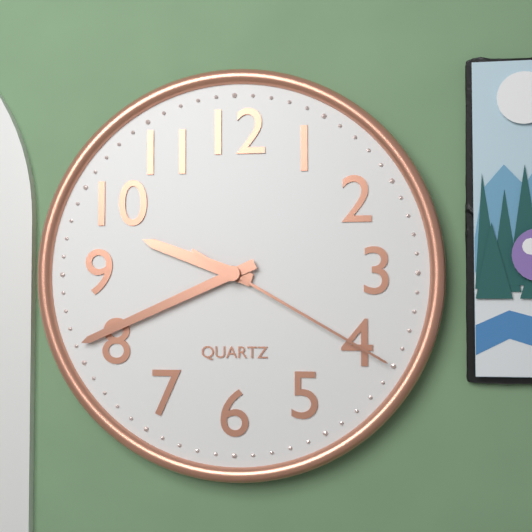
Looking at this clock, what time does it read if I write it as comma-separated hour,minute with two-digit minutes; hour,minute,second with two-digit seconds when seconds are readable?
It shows 9,41,20
